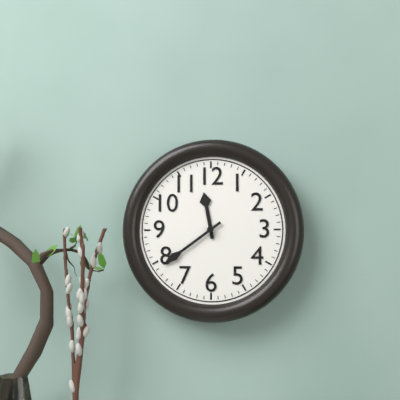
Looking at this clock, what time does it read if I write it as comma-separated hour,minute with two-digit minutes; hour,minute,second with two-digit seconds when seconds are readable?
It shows 11,39
